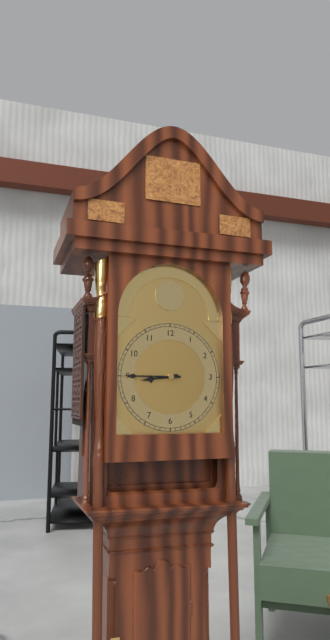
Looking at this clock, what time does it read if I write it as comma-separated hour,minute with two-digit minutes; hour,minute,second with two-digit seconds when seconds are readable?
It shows 8,45
